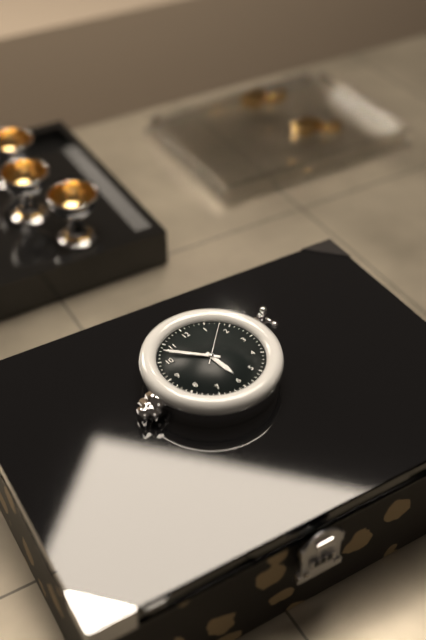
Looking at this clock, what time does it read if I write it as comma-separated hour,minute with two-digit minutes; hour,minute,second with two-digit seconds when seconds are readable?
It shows 5,53,08
